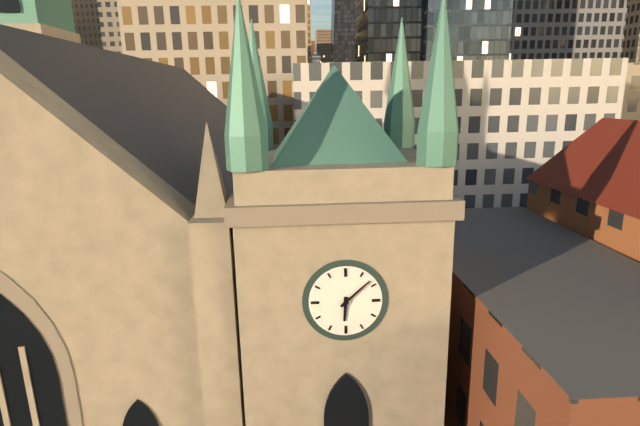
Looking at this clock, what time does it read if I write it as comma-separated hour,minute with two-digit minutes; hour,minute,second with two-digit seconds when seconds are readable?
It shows 6,08
